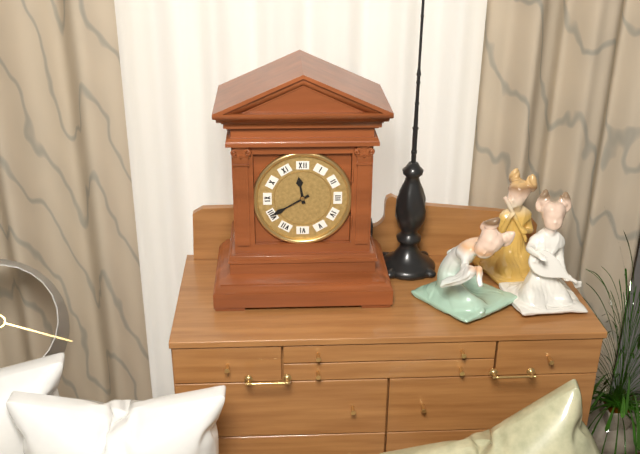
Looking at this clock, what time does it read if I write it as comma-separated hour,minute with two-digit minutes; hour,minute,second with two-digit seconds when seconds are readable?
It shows 11,40
